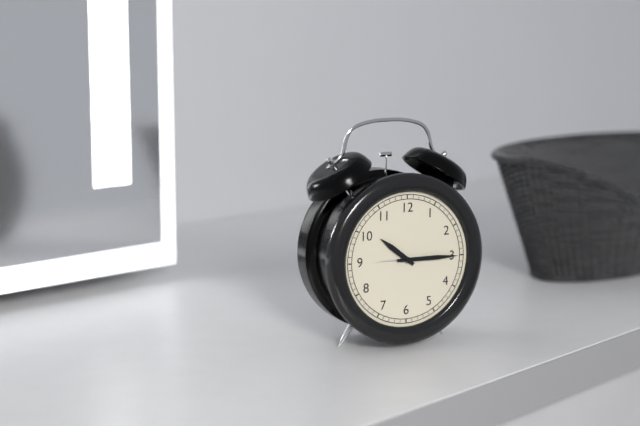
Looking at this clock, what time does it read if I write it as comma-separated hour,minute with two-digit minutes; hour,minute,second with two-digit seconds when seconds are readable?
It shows 10,15
